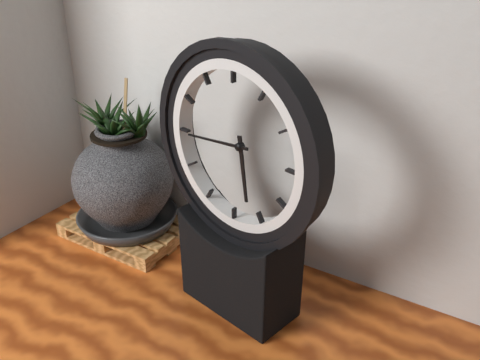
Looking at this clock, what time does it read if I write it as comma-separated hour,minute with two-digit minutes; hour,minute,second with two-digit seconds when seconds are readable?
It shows 5,44
